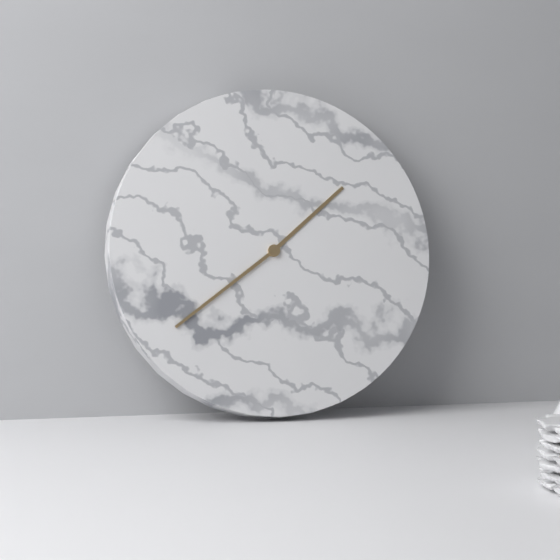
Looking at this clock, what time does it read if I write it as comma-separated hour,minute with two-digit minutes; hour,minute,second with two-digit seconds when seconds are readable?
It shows 1,39
